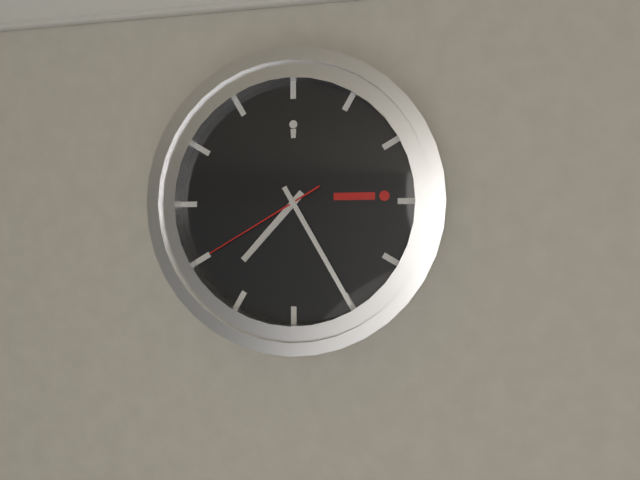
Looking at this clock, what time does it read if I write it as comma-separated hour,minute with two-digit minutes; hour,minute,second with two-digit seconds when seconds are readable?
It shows 7,25,40
